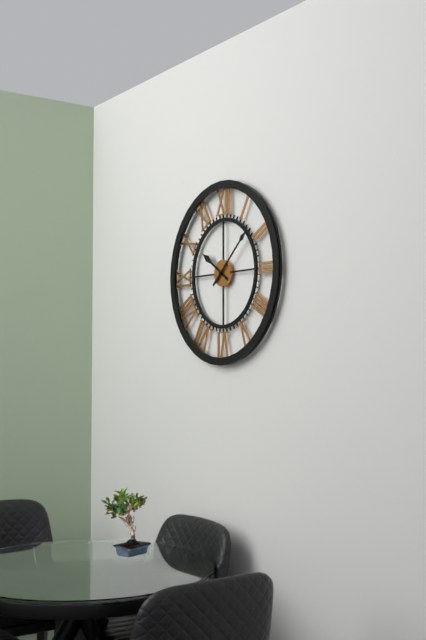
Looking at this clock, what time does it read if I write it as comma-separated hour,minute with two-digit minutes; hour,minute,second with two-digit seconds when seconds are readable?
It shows 10,08
